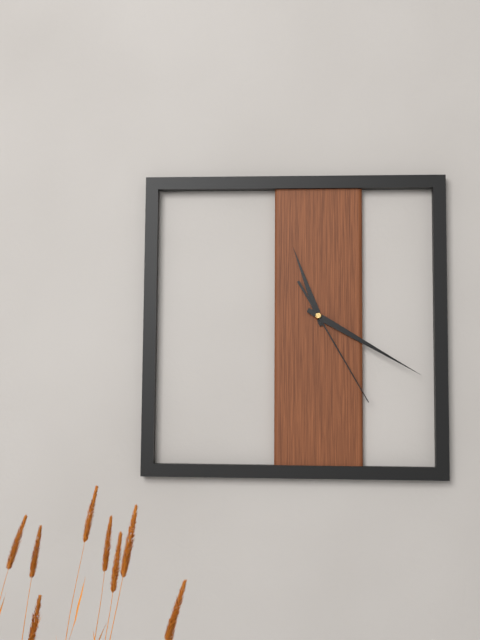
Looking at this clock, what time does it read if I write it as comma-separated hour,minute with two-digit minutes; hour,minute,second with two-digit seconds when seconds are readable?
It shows 11,20,25
